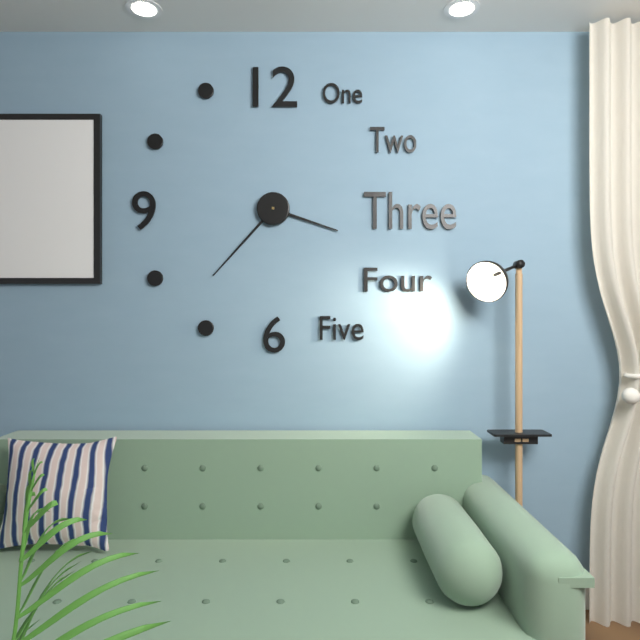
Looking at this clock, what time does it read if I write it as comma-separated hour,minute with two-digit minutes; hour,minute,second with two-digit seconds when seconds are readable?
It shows 3,37
